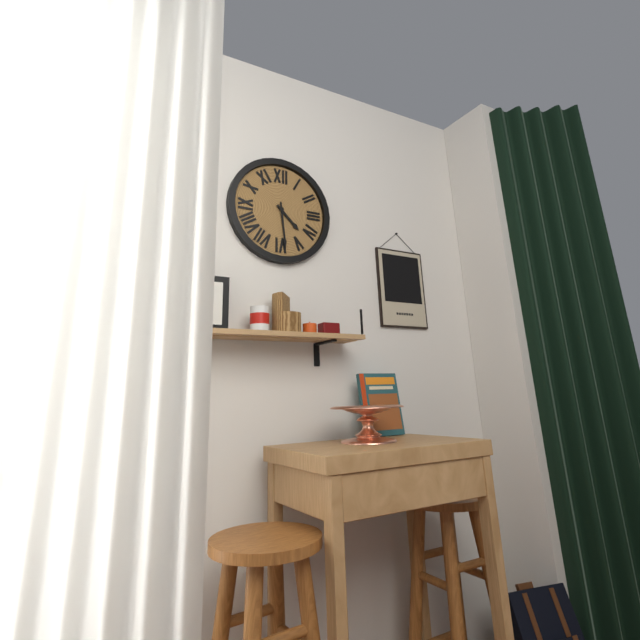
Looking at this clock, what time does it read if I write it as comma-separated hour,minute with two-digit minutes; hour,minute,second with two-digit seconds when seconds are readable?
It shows 4,29
